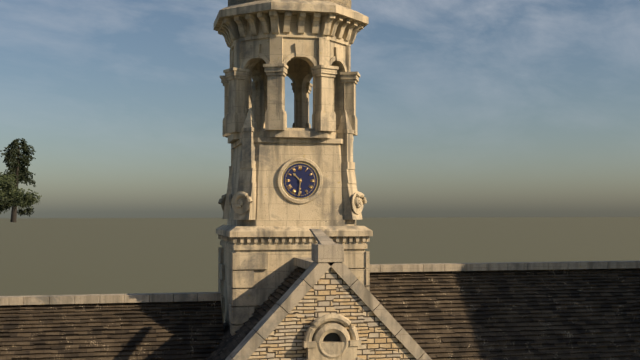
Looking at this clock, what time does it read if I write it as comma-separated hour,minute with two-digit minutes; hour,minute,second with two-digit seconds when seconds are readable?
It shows 10,31
